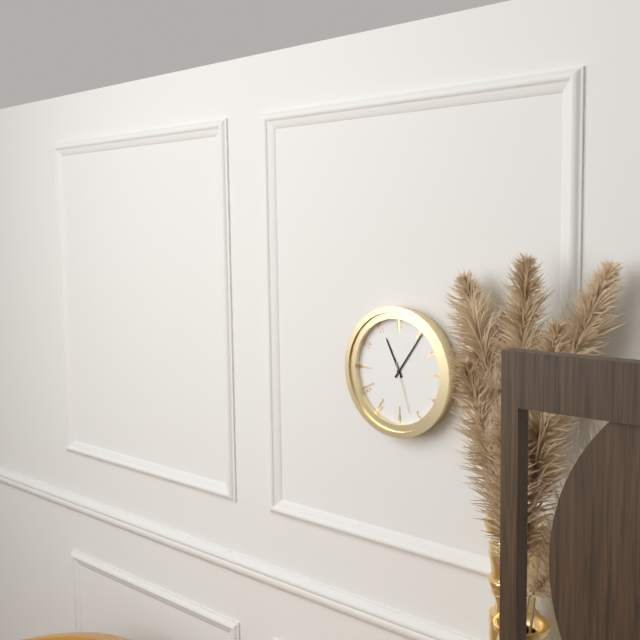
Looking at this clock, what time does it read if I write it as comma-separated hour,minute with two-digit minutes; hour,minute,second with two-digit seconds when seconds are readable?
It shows 11,06,27
